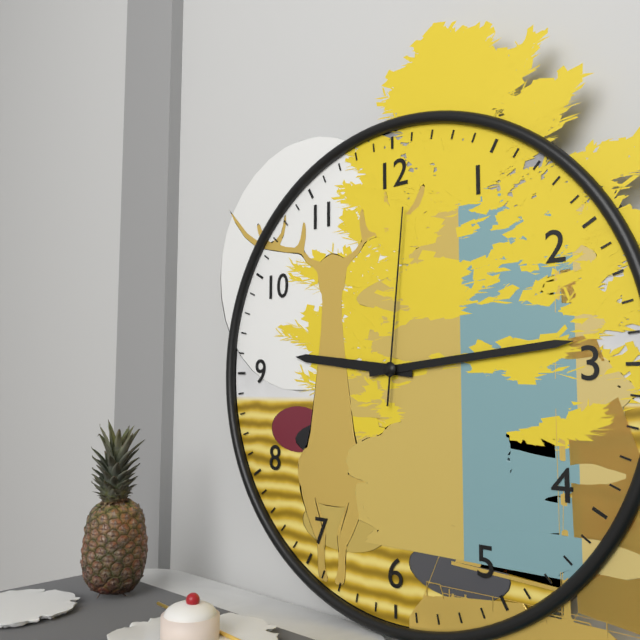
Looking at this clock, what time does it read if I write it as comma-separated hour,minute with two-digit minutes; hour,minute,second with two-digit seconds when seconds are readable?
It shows 9,14,01
